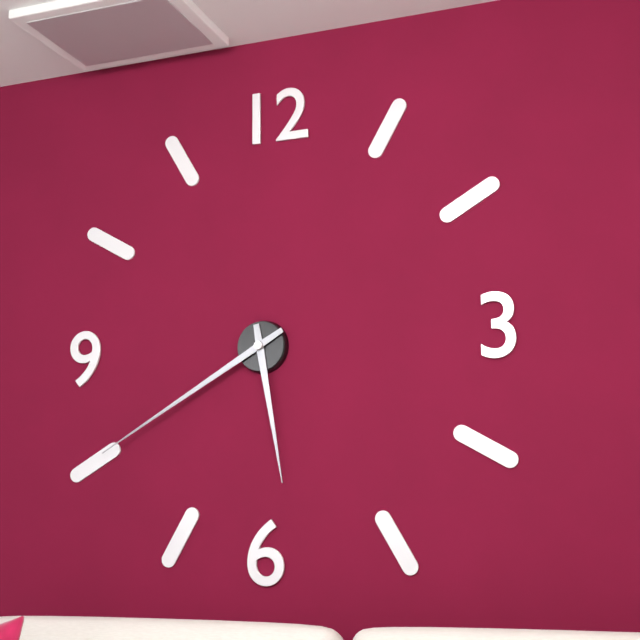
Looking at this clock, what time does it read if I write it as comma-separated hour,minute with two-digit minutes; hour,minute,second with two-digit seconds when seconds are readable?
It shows 5,40
